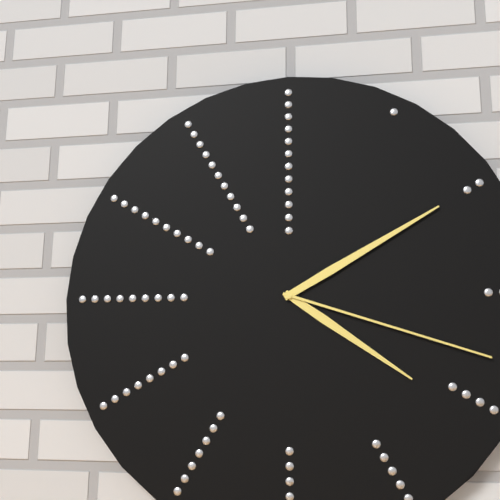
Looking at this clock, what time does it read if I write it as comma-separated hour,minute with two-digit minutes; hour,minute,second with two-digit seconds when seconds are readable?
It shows 4,10,18
